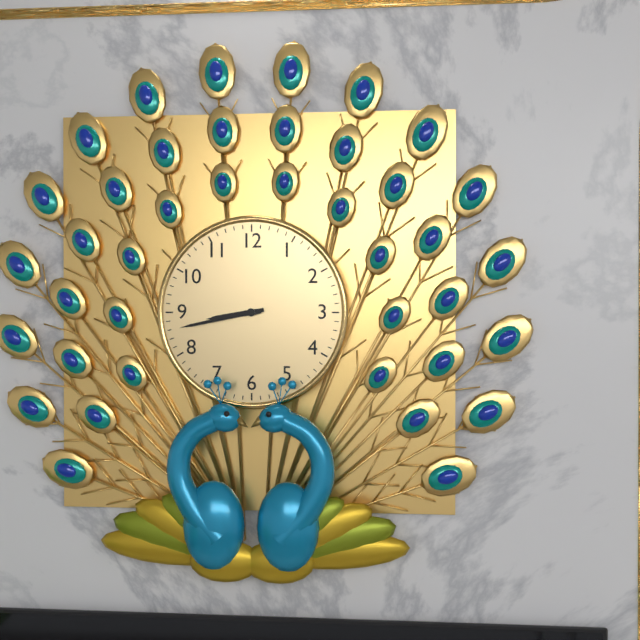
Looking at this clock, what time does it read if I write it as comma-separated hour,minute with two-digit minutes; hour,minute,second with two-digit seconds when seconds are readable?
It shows 8,43
